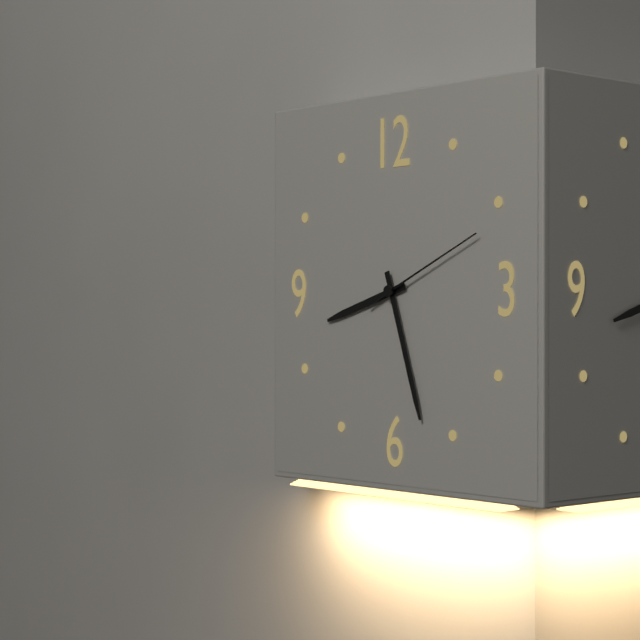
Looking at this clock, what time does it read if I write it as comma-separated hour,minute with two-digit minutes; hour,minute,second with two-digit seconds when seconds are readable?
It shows 8,27,11
